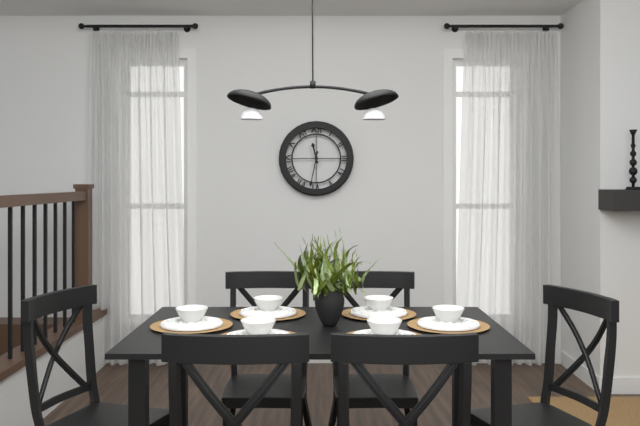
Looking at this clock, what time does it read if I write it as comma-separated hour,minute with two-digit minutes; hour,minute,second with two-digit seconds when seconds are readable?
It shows 11,32
